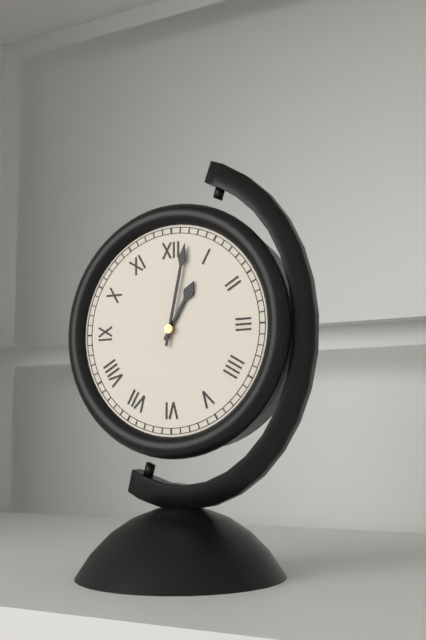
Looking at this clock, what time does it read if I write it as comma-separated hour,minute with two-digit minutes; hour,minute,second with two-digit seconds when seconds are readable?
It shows 1,02
